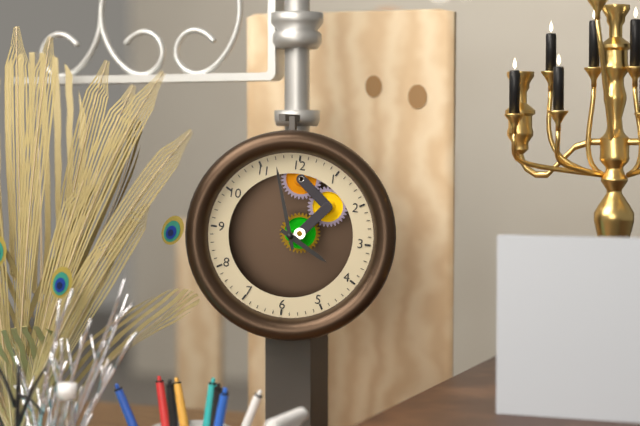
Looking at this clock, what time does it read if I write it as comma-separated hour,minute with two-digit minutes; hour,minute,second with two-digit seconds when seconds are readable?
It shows 3,57
